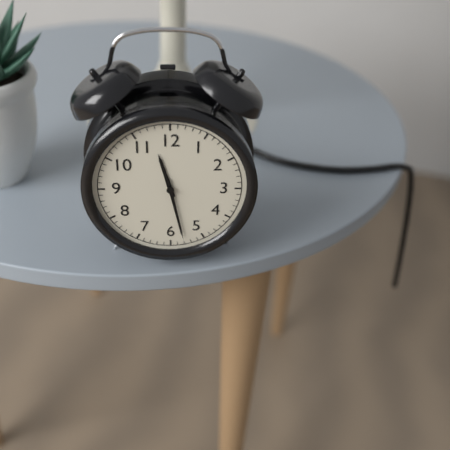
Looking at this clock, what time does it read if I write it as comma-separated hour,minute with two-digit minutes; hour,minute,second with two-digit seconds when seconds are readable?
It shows 11,28
